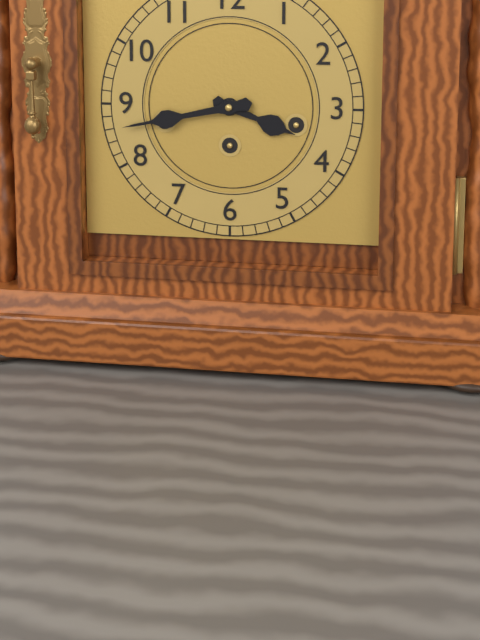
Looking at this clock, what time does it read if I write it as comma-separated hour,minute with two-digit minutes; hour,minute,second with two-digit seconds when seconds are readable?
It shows 3,43
